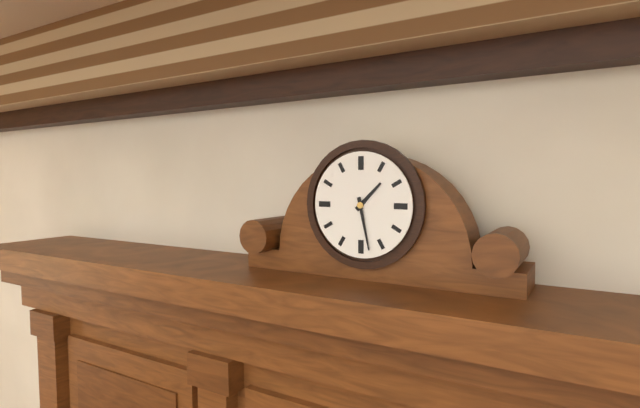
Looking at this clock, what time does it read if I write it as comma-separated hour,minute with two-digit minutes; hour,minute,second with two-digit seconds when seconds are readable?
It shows 1,28
